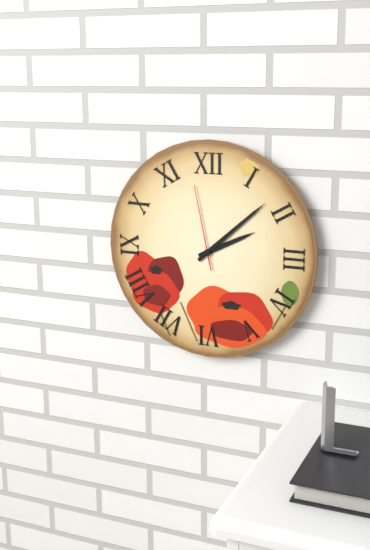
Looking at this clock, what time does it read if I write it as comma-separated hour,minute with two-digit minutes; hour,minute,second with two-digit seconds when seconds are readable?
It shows 2,08,58
